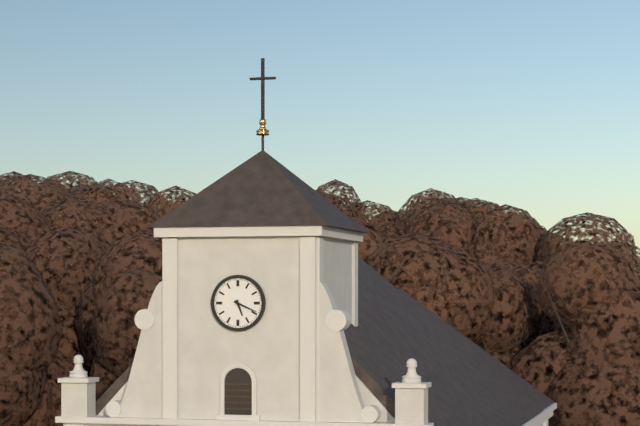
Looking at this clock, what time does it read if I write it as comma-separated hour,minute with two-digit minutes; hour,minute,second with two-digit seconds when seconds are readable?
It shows 5,19
